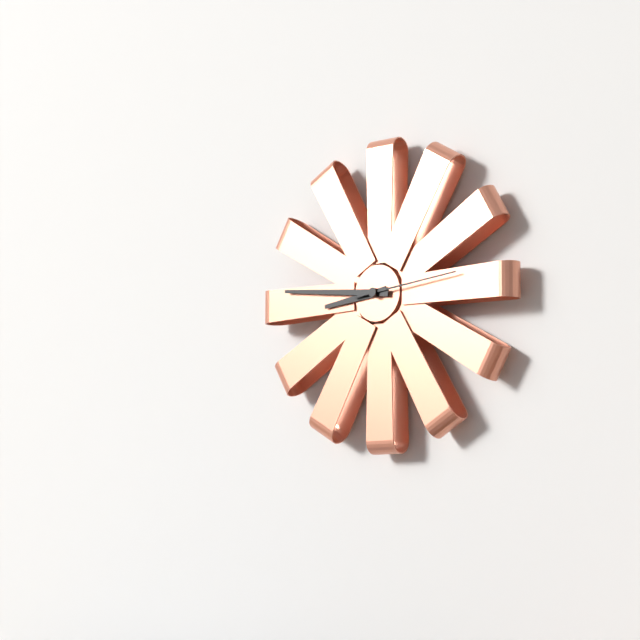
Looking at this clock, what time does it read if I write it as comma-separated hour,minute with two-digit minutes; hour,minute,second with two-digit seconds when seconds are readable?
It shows 8,46,14
